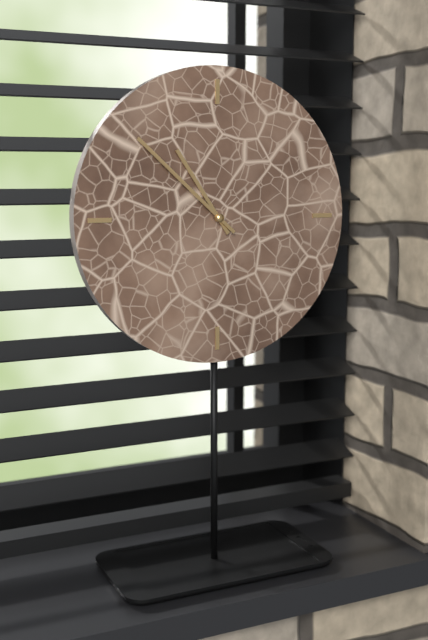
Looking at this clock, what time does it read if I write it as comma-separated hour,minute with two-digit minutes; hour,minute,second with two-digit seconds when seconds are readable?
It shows 10,52
